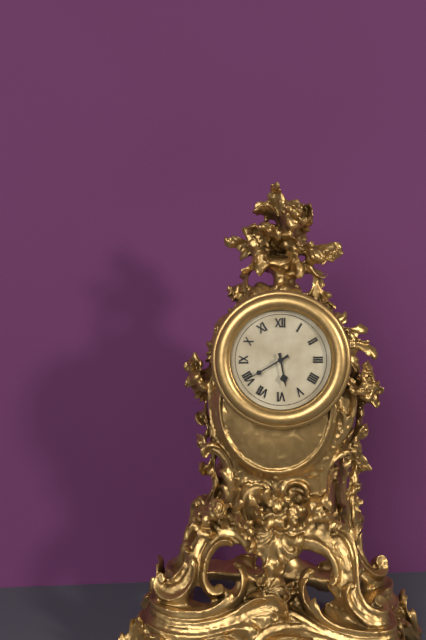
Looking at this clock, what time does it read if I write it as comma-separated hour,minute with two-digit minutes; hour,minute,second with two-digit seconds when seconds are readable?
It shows 5,40
